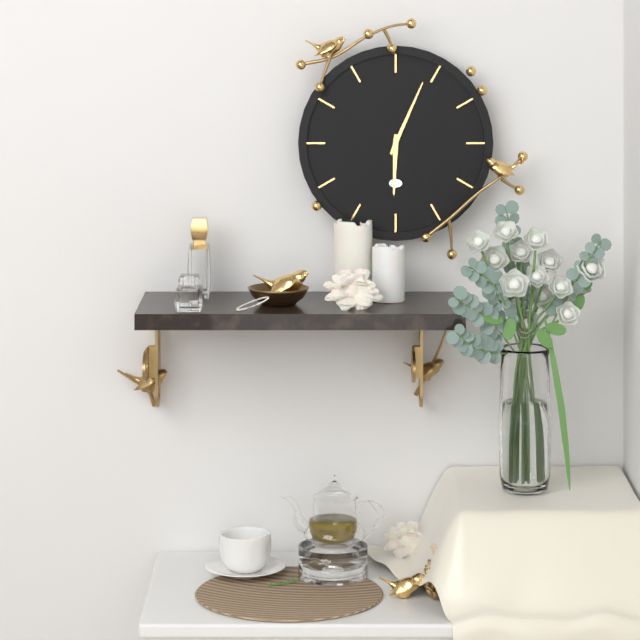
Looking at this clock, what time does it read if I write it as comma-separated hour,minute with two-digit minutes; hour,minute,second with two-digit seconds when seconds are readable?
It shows 6,04
